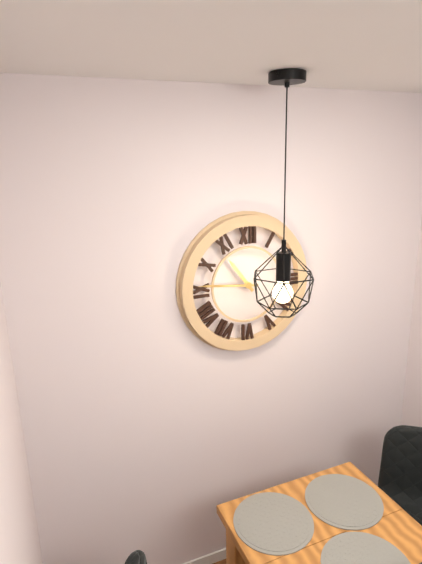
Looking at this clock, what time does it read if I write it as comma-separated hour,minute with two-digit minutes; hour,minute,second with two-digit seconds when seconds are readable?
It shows 10,46
